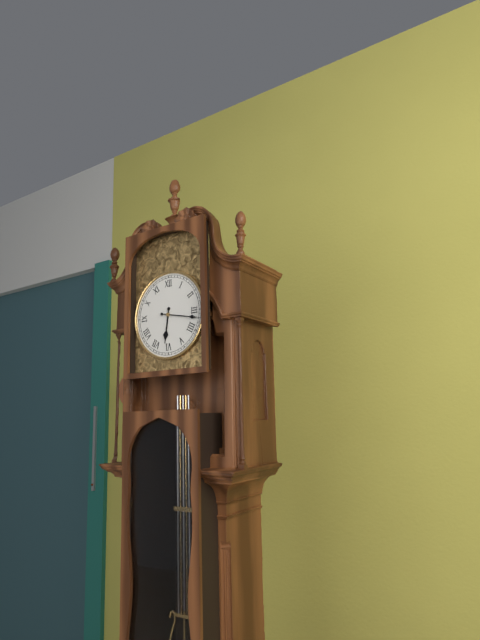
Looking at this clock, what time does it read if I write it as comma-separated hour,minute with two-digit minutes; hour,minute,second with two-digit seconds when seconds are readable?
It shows 6,17
